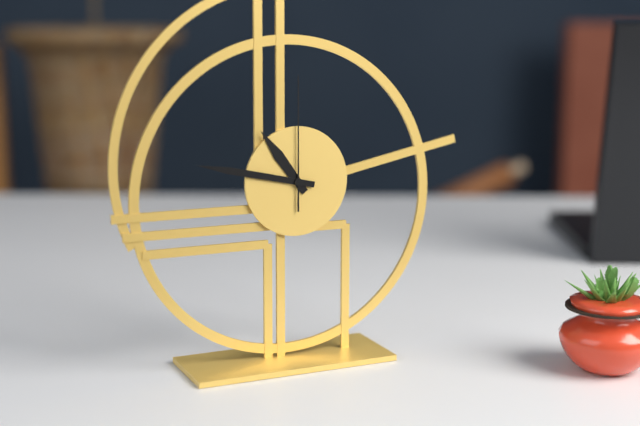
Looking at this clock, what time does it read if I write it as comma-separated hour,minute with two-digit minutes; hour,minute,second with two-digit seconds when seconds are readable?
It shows 10,47,00
